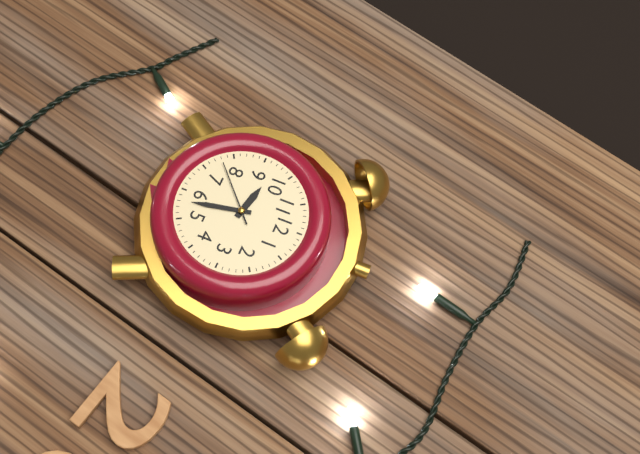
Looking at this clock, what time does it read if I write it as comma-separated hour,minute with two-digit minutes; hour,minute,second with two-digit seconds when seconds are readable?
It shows 9,28,38
